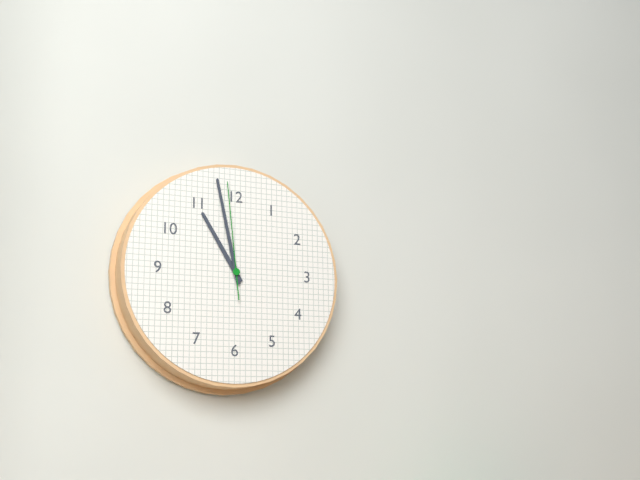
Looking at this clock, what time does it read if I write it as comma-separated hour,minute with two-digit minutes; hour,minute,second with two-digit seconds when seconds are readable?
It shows 10,58,59
